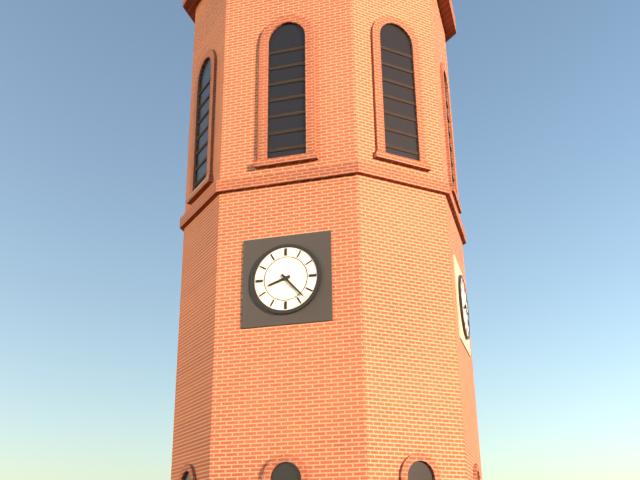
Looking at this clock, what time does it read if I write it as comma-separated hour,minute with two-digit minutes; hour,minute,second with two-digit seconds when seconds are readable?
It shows 8,23
